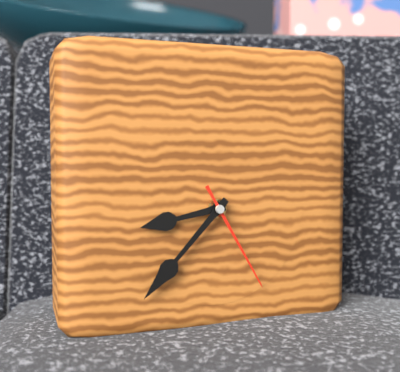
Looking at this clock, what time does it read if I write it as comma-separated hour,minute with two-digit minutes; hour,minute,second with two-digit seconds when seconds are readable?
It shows 8,37,25
